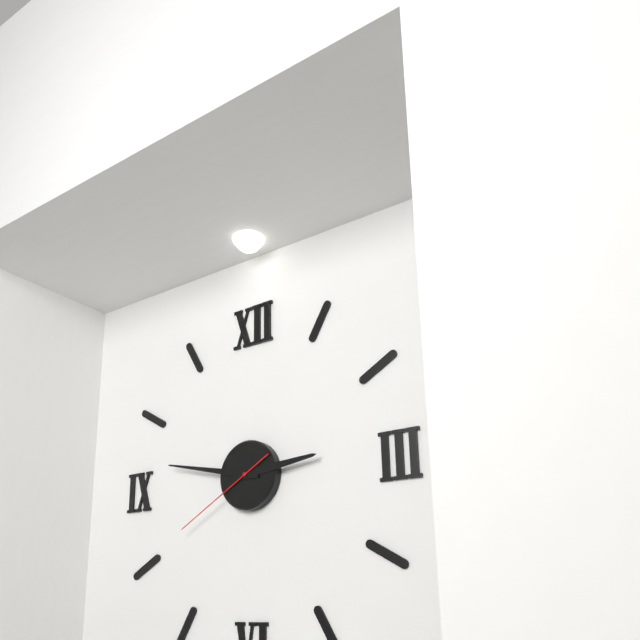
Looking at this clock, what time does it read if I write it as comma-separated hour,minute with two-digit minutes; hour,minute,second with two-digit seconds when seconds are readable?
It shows 2,47,40
